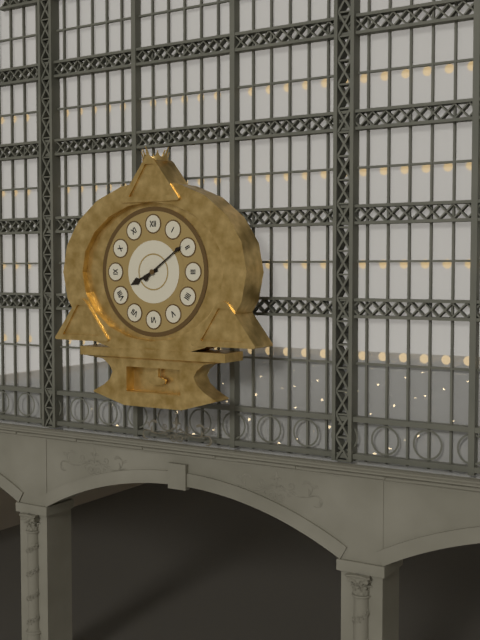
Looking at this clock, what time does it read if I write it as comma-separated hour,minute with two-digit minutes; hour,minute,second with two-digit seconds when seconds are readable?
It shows 8,09
